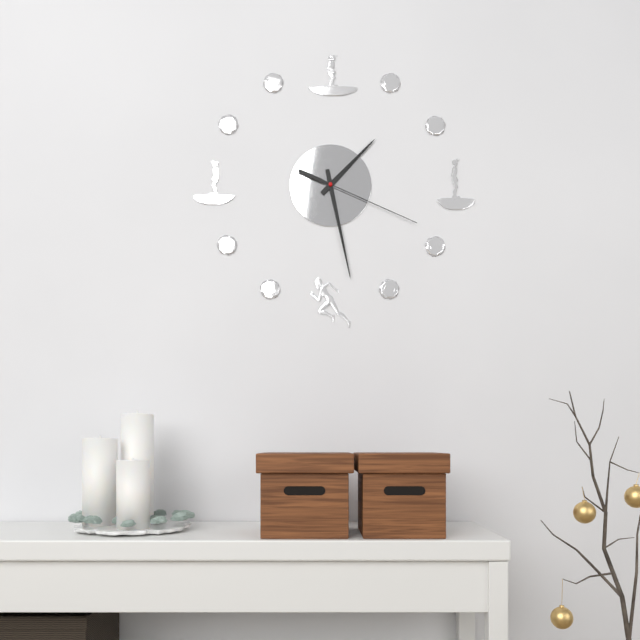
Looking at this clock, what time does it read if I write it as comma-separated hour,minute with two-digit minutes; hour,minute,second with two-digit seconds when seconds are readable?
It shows 1,28,19
